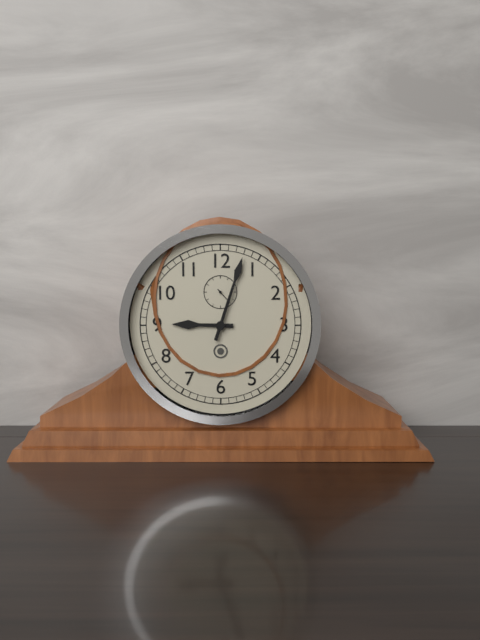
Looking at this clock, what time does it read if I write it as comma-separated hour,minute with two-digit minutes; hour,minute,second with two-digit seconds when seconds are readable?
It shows 9,03
